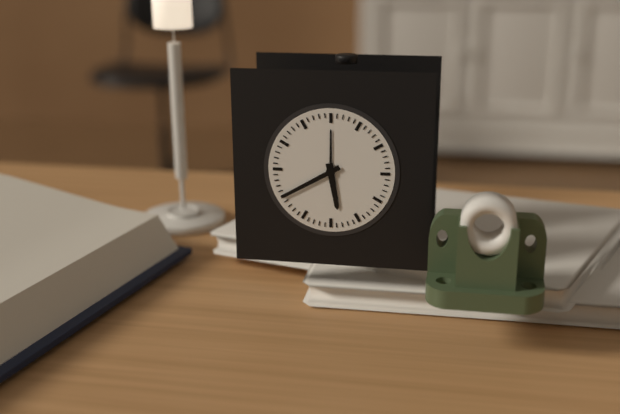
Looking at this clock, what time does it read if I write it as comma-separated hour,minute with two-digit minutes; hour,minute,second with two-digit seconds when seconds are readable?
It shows 5,40
